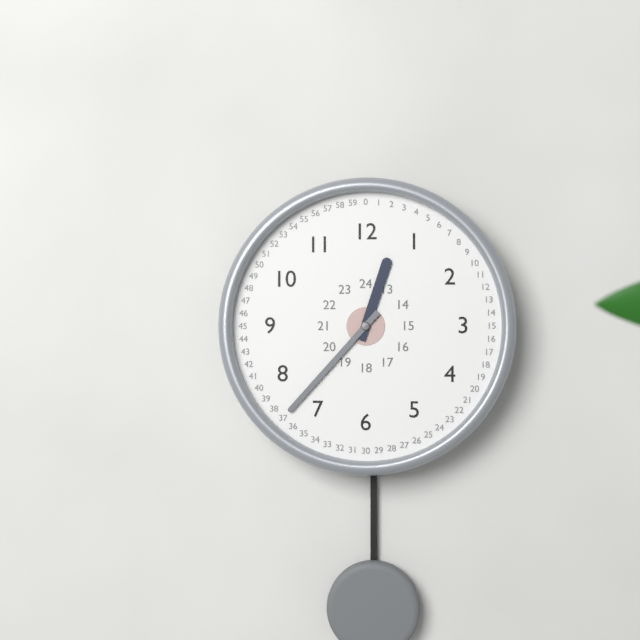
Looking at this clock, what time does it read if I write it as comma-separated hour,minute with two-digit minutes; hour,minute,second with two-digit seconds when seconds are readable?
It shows 12,37
